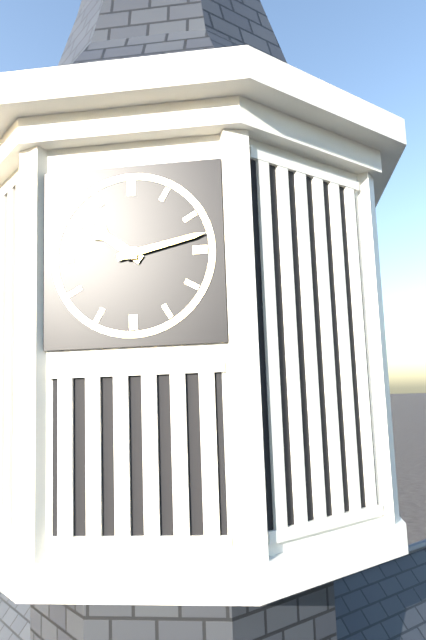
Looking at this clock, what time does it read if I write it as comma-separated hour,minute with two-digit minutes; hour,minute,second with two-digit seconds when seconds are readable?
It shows 10,13
